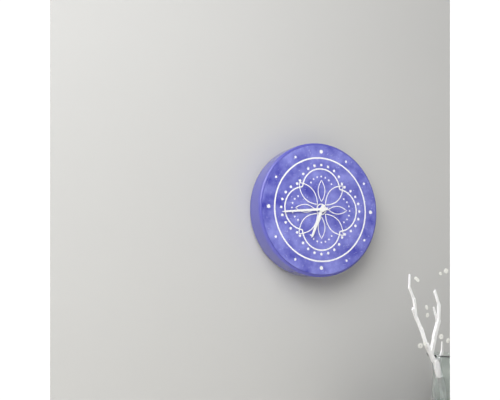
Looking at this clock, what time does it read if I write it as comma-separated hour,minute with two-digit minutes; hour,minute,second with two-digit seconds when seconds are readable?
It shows 6,44
